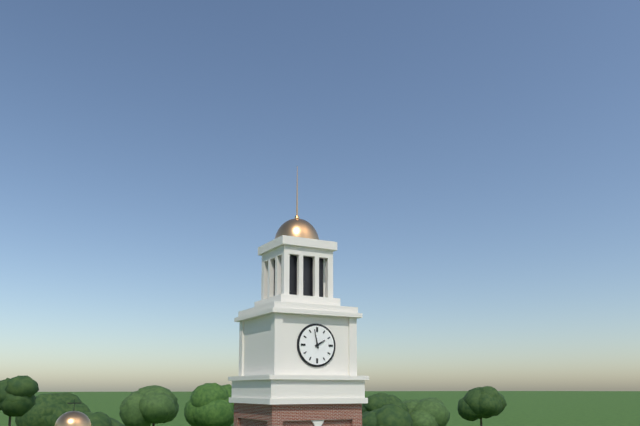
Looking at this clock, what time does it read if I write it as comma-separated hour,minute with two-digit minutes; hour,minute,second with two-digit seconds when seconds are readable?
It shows 1,58
